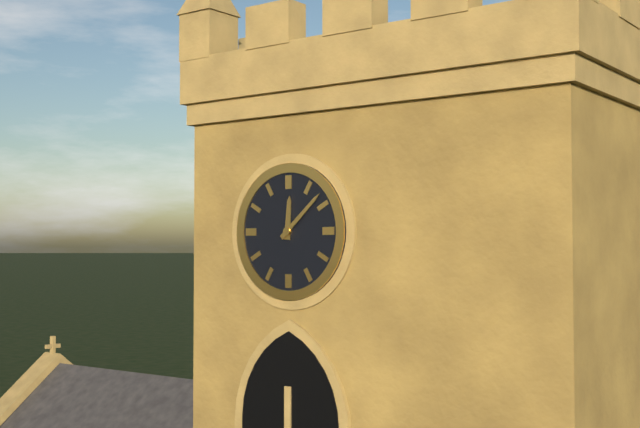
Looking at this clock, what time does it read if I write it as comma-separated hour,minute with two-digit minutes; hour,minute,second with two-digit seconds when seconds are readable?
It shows 12,08
